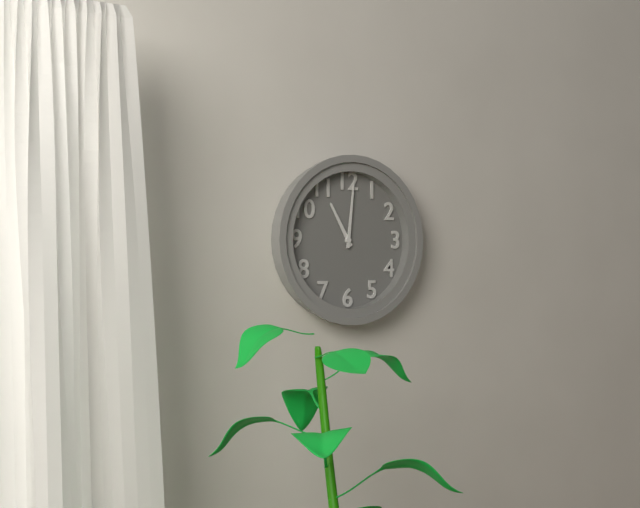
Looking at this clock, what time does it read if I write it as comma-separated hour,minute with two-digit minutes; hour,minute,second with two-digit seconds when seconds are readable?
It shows 11,01
